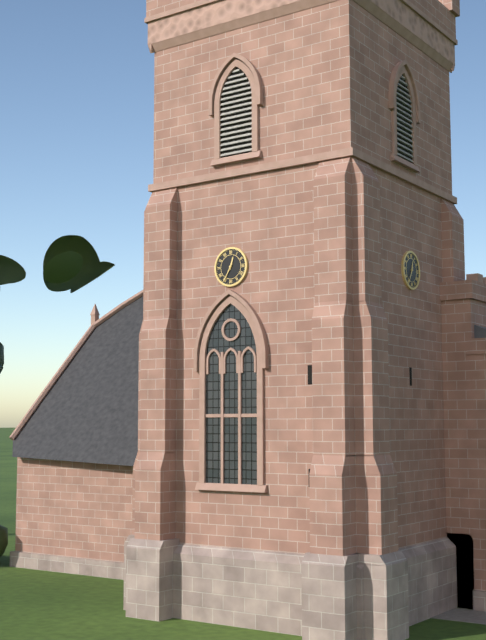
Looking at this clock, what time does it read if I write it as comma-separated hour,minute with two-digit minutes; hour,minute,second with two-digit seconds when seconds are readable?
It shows 12,35
